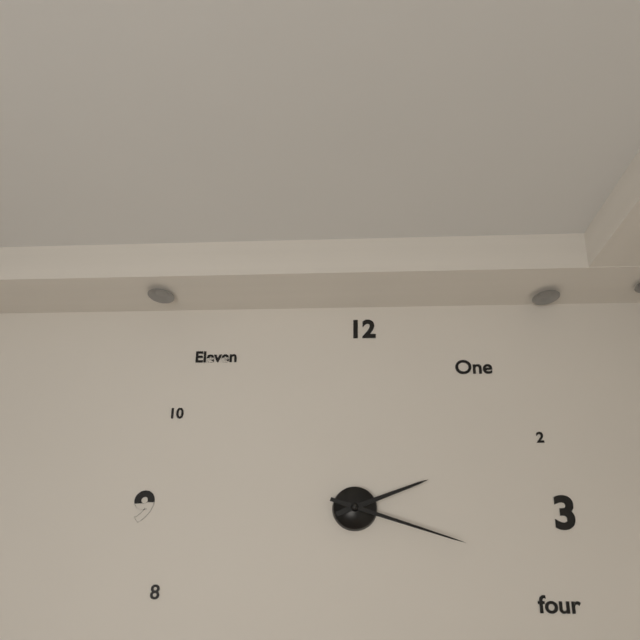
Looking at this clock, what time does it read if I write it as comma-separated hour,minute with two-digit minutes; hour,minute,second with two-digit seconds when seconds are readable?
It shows 2,18
